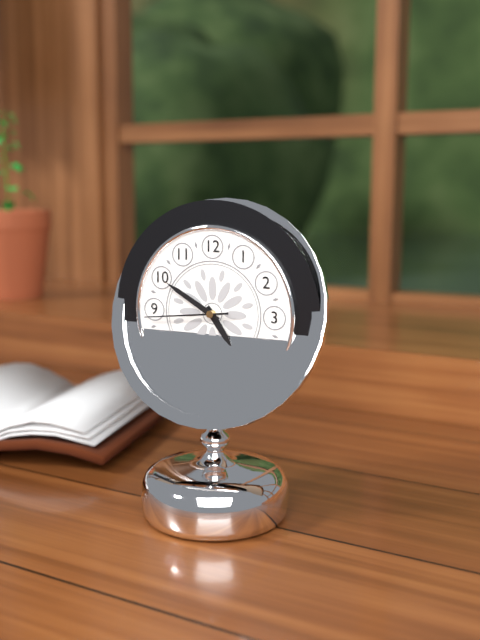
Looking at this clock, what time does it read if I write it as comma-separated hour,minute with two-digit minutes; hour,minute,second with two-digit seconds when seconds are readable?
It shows 4,50,44
